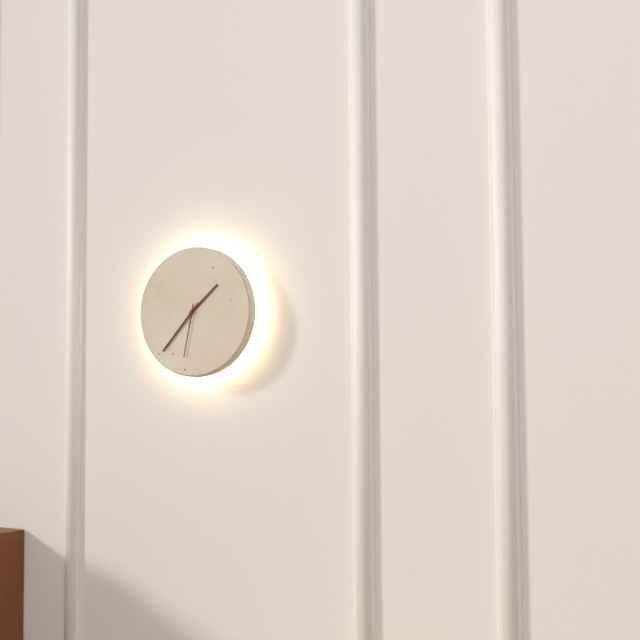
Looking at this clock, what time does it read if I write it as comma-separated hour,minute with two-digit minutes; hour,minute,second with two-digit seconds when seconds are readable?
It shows 1,37,32
